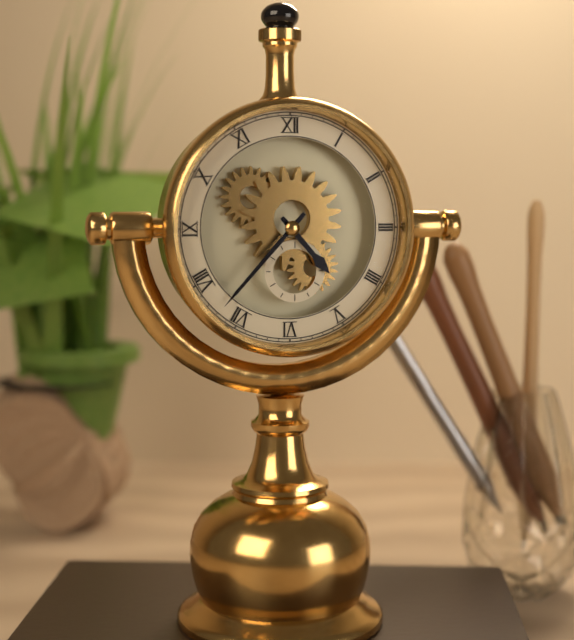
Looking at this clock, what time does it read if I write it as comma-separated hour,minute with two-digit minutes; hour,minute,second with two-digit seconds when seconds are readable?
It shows 4,37
